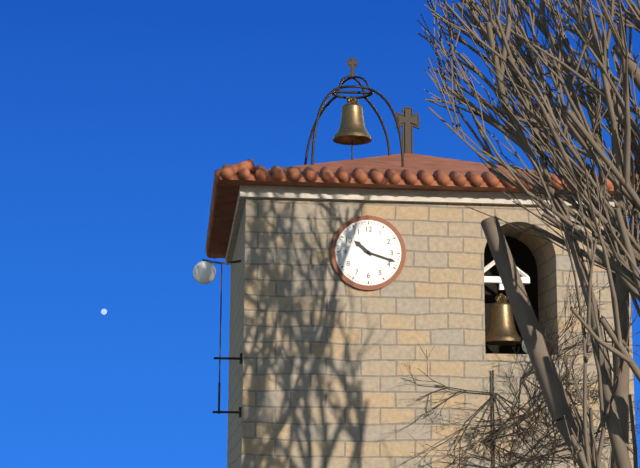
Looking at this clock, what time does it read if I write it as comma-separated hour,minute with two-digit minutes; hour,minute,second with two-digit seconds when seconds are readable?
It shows 10,18
